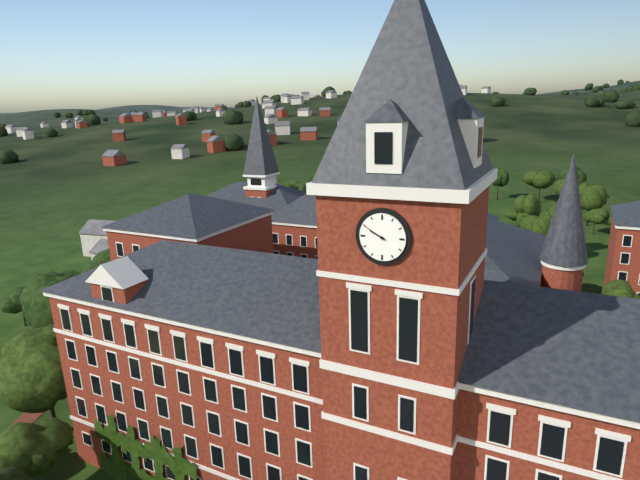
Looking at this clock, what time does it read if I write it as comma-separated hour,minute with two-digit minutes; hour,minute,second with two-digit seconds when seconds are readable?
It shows 9,50
